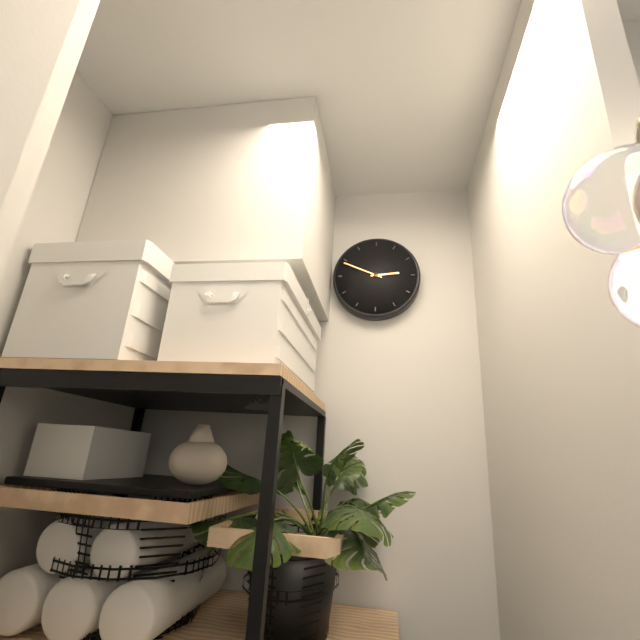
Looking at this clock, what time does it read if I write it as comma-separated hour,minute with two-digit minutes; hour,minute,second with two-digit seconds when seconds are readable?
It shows 2,49
